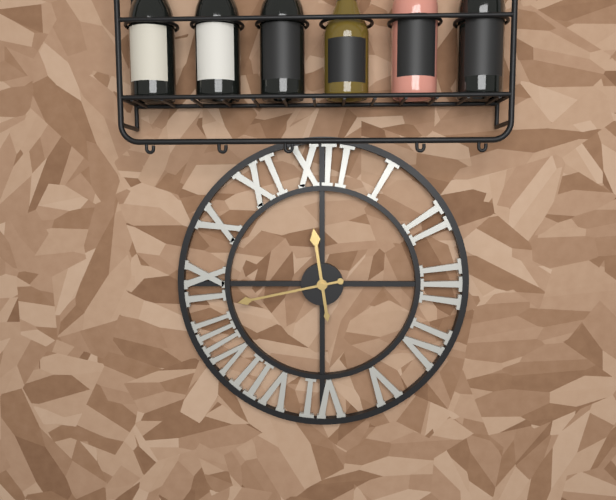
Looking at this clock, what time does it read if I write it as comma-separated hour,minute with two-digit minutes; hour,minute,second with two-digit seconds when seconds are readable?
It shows 11,43
